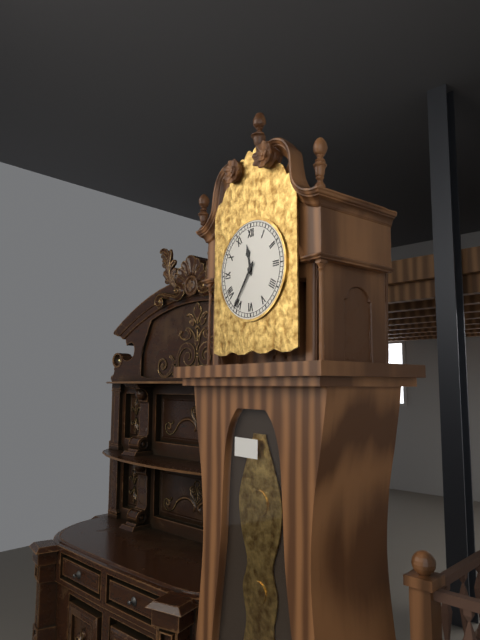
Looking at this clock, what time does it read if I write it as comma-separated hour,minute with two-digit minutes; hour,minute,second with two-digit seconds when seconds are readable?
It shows 11,36
